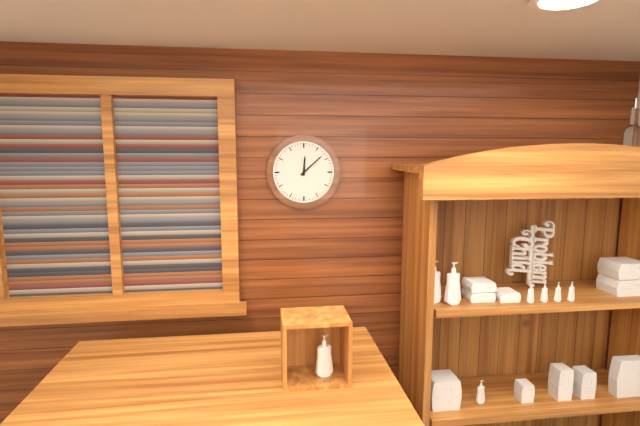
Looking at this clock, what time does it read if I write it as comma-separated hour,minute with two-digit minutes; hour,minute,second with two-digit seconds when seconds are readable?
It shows 12,08
